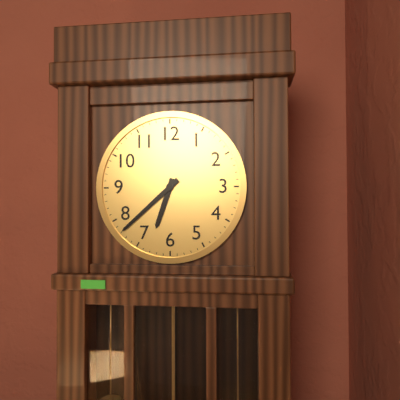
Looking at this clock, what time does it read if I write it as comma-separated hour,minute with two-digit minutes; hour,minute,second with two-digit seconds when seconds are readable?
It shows 6,38
